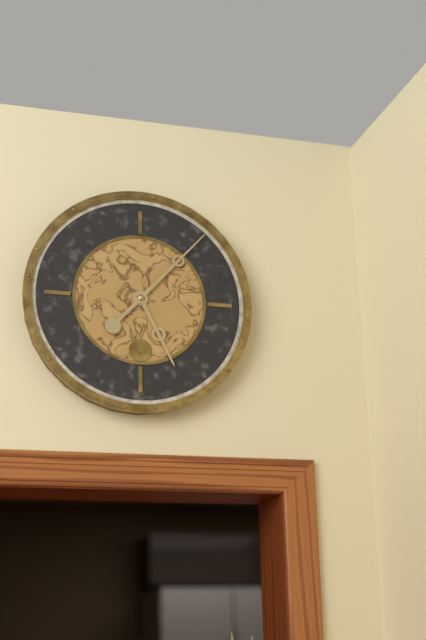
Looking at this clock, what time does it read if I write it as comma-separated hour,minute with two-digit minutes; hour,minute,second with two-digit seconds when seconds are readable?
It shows 5,07
